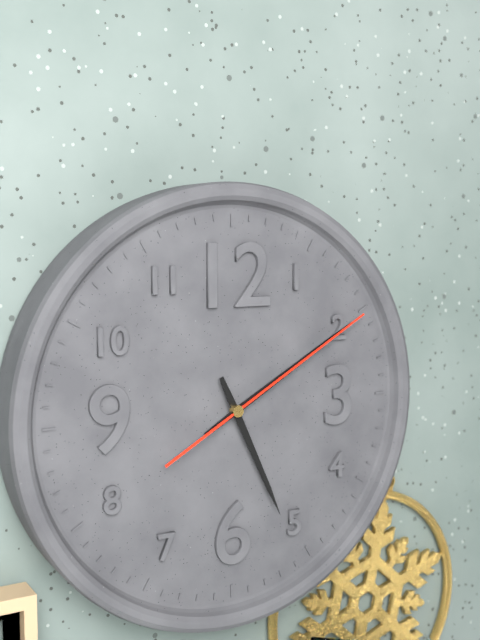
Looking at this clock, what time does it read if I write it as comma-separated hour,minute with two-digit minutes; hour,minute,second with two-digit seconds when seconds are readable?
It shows 5,10,10
